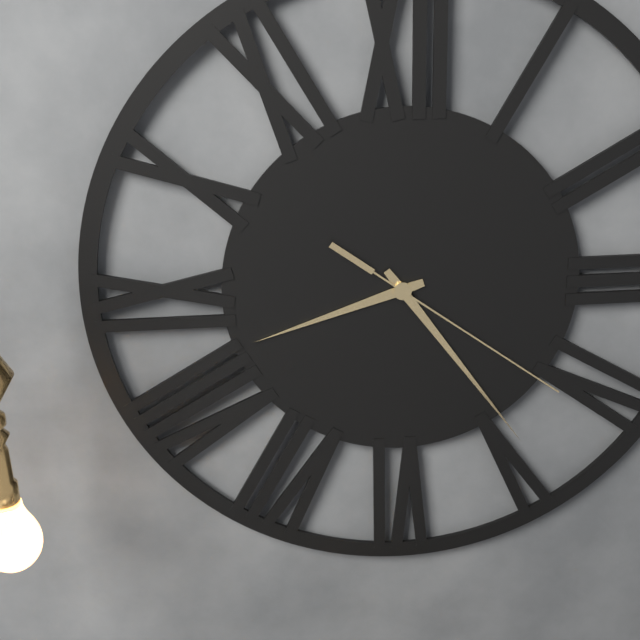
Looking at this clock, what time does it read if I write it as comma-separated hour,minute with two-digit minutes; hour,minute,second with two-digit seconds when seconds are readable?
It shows 8,24,21
